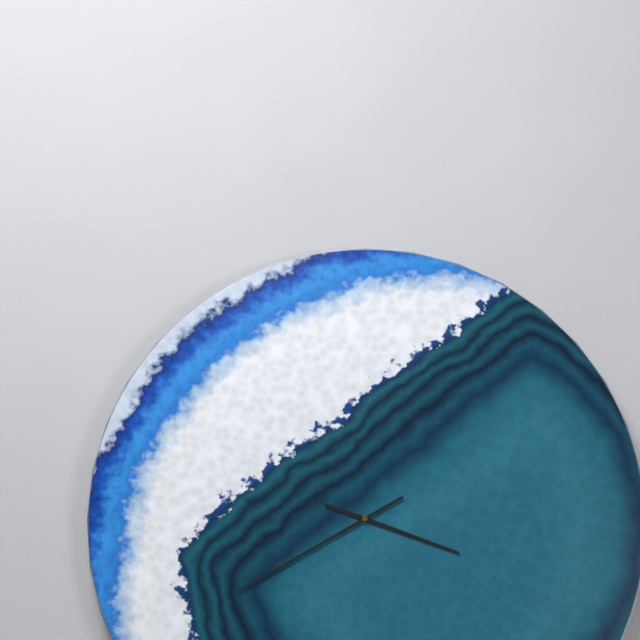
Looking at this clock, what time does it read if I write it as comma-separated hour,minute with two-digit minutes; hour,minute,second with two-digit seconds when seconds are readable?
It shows 3,40
